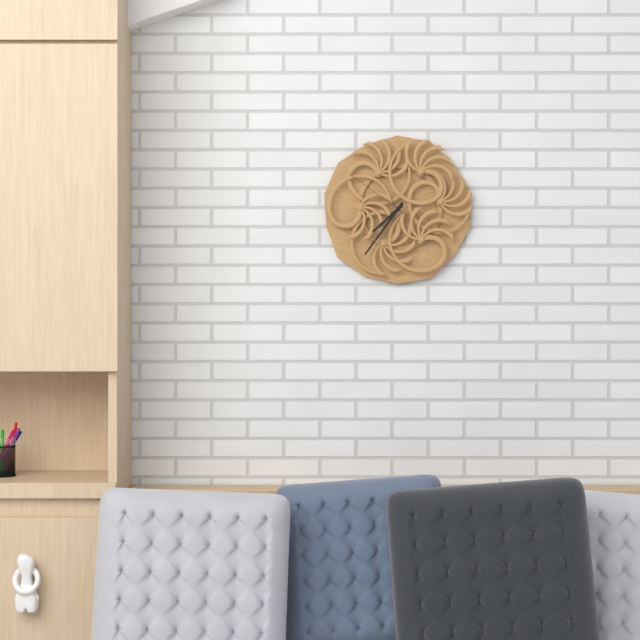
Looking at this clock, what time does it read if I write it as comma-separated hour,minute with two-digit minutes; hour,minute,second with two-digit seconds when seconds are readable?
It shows 7,36,51
